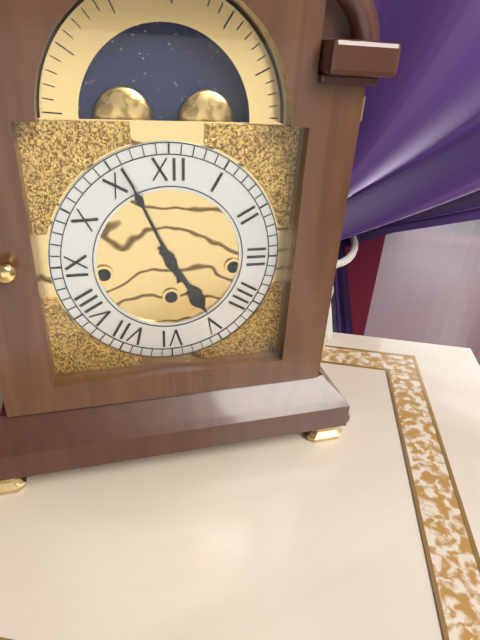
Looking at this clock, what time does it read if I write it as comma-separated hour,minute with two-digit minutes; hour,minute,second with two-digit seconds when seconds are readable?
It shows 4,56
